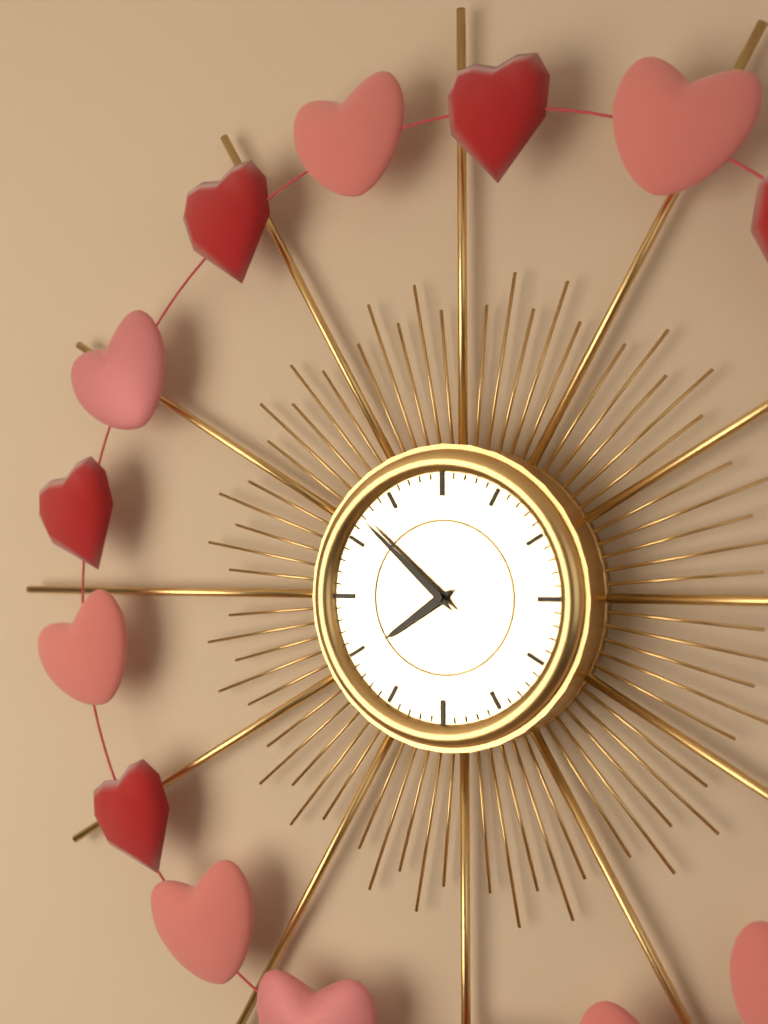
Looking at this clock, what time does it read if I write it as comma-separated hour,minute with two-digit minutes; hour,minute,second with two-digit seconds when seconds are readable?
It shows 7,52
